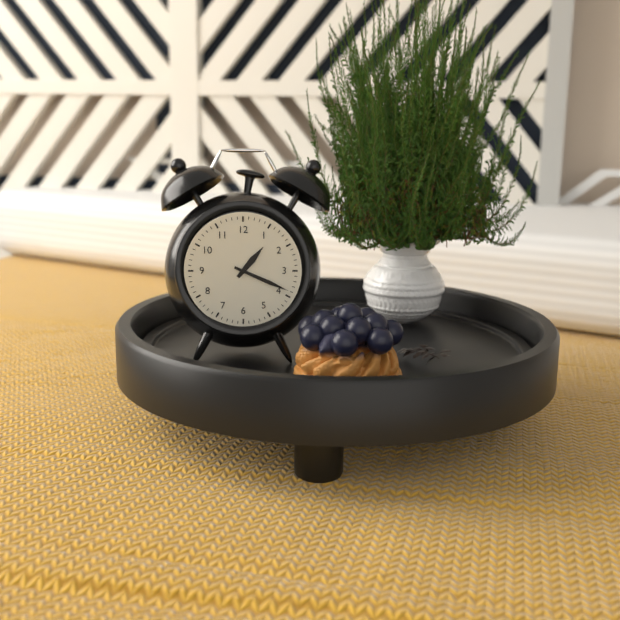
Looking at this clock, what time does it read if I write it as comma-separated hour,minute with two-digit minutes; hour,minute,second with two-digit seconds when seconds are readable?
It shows 1,19
